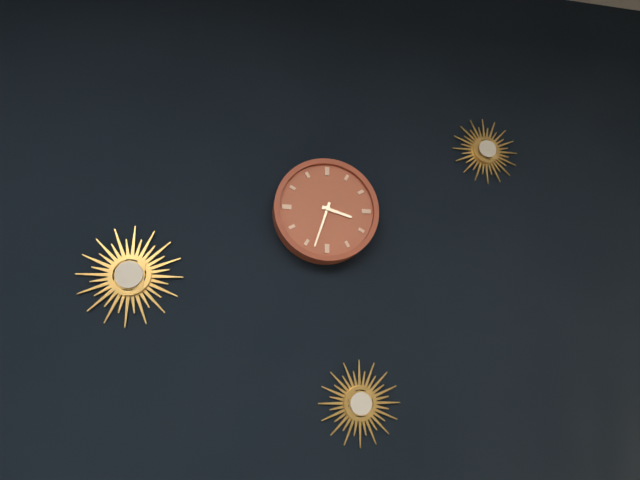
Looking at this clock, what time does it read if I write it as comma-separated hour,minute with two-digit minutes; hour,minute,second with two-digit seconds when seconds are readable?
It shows 3,33
